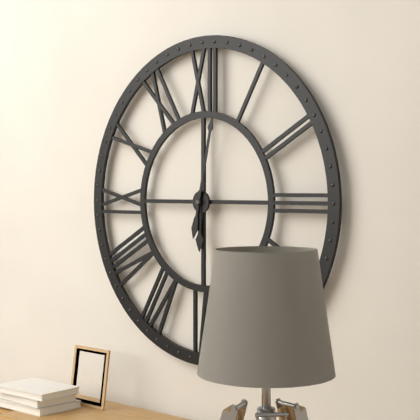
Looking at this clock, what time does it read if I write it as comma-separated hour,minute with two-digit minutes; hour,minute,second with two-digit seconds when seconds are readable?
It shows 6,02
